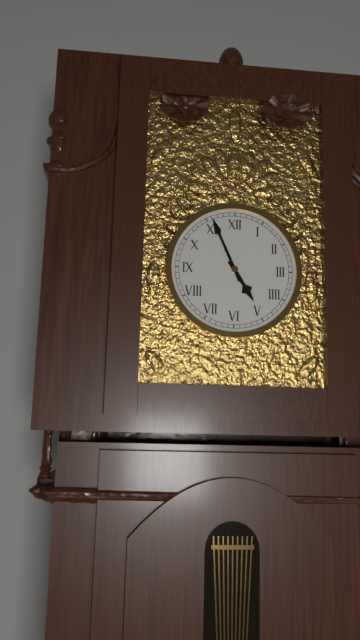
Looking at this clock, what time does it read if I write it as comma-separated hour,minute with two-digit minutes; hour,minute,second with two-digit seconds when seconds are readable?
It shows 4,56
